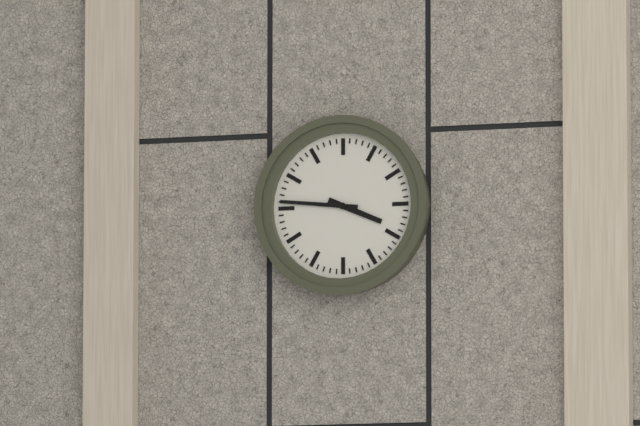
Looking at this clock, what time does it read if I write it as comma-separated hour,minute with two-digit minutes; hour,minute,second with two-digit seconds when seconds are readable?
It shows 3,46
